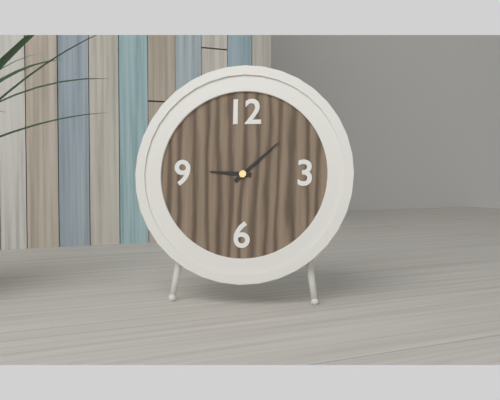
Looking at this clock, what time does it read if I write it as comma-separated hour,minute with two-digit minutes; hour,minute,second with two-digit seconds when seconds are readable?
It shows 9,08
